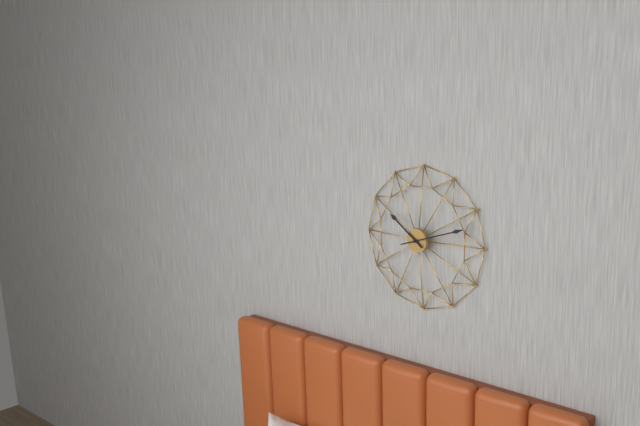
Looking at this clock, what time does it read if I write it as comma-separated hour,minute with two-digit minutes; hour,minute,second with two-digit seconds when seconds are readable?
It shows 10,12
